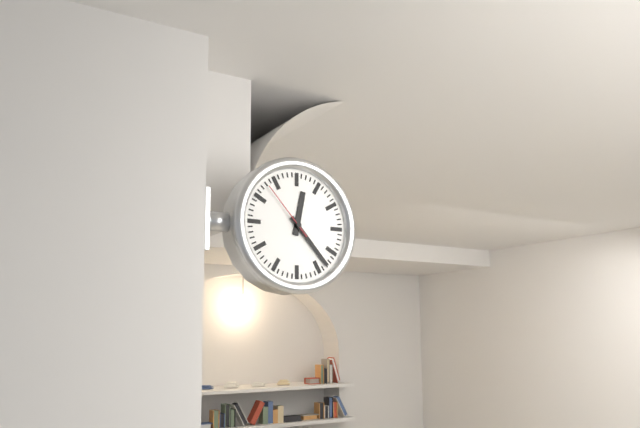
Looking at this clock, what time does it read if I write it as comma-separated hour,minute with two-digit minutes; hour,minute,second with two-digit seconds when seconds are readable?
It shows 12,23,53
